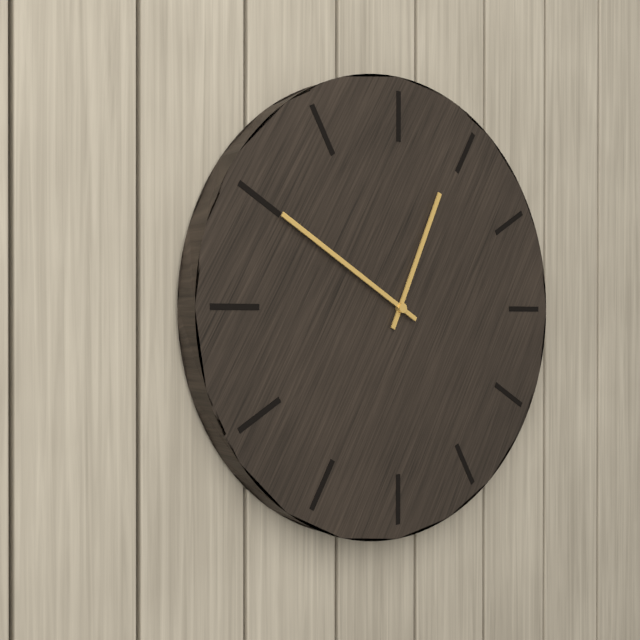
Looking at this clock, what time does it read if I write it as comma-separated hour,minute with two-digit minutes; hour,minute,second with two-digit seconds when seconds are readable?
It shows 12,50
